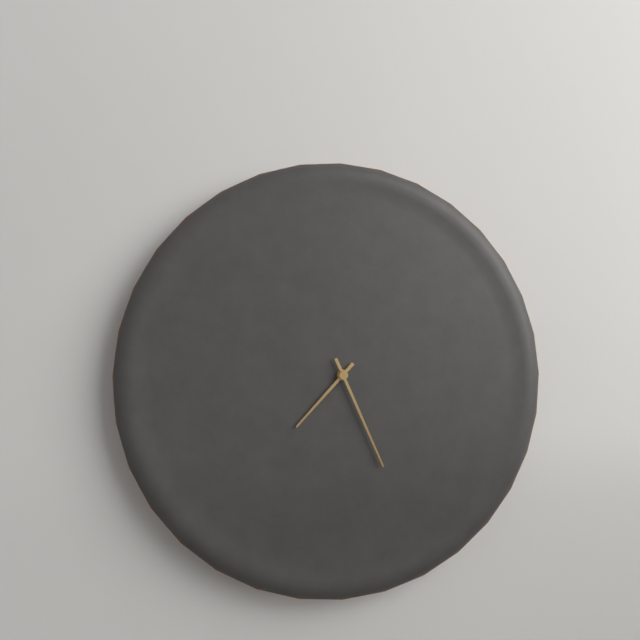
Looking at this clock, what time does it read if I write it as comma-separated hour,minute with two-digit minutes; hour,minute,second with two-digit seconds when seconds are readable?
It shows 7,26
